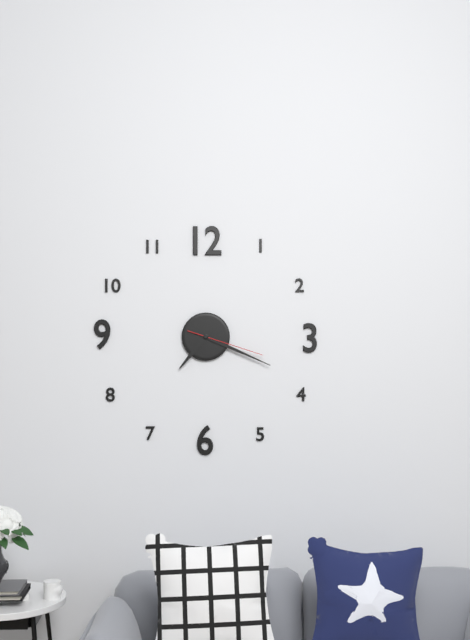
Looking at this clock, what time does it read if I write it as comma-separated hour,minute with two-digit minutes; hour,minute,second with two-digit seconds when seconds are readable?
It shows 7,19,18
